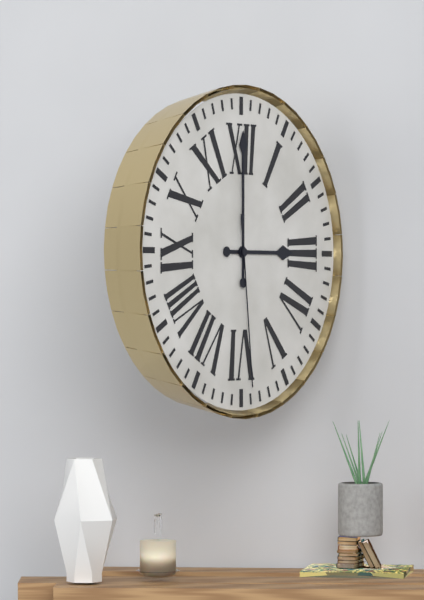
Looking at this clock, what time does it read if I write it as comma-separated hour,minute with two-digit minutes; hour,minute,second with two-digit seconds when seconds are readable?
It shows 3,00,29
